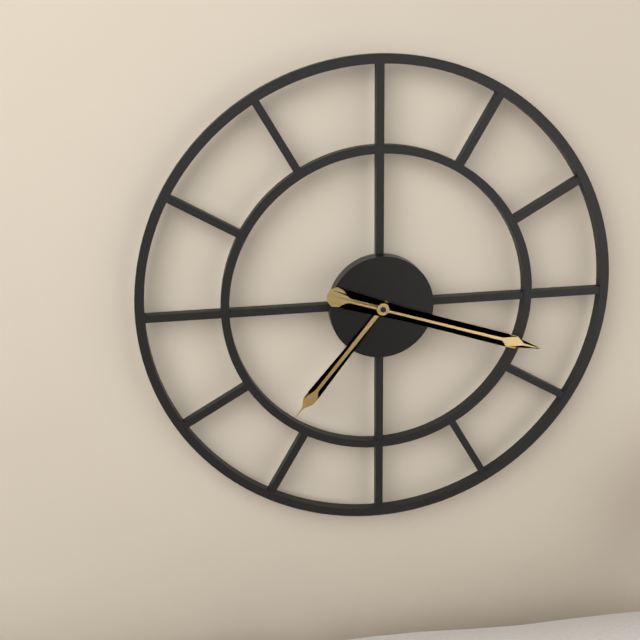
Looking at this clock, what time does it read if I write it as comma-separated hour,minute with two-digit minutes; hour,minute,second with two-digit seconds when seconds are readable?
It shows 7,18
